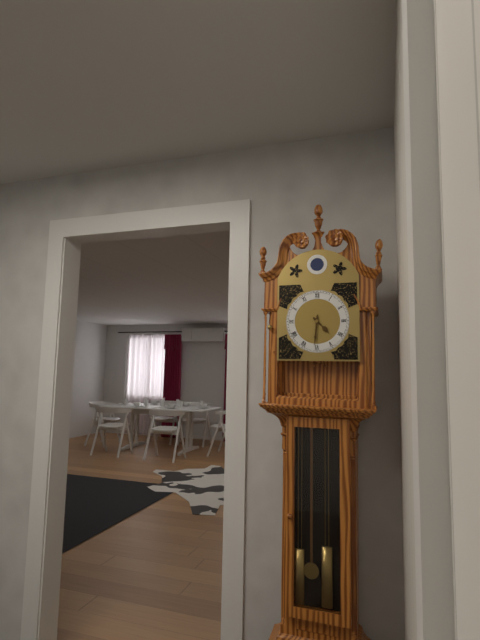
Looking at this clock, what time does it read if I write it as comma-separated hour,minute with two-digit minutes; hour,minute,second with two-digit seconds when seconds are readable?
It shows 4,31
